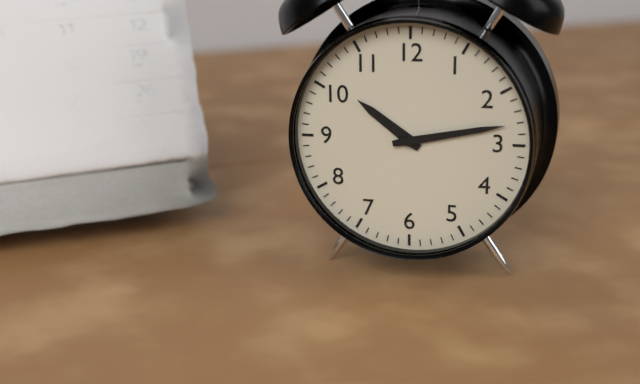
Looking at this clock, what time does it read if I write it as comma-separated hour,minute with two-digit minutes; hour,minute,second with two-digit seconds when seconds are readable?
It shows 10,13
